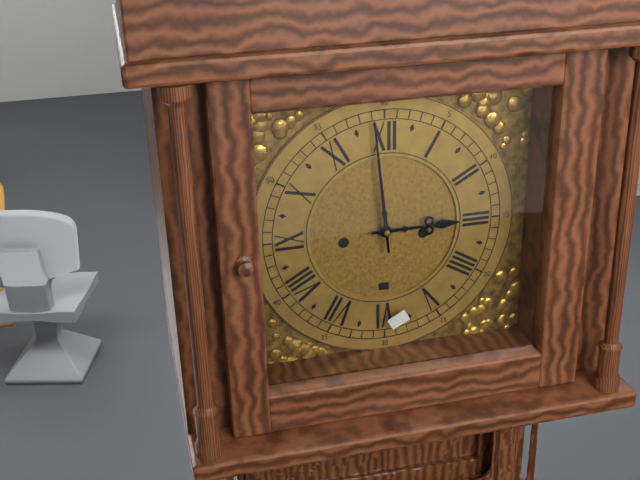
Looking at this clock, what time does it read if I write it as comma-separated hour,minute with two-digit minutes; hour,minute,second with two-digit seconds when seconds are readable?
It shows 2,59
